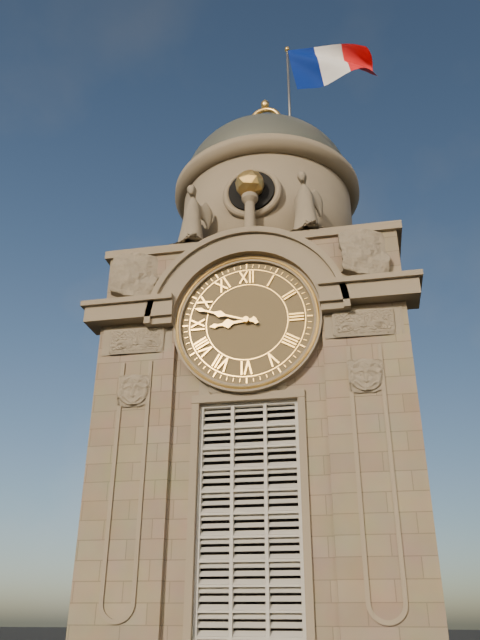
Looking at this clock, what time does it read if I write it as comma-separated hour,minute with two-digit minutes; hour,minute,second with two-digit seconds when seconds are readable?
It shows 8,48
